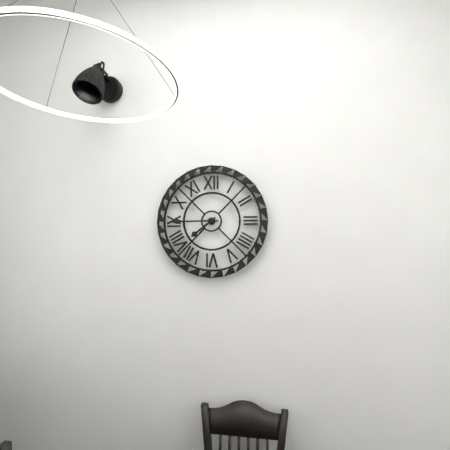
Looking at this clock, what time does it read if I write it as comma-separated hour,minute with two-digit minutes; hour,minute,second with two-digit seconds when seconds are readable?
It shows 7,45
